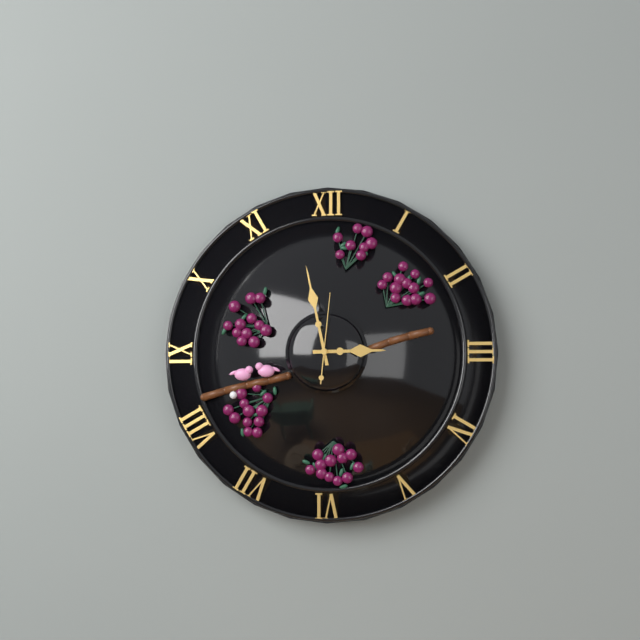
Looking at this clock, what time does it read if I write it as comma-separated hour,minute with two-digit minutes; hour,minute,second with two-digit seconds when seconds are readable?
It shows 2,58,01
